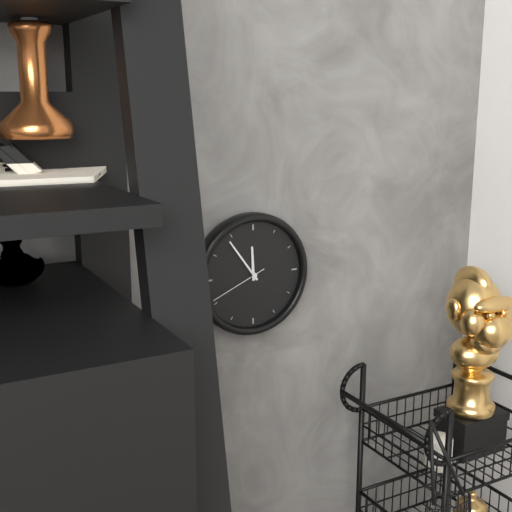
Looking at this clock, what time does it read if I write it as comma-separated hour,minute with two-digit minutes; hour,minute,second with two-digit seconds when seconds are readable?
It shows 11,54,41
